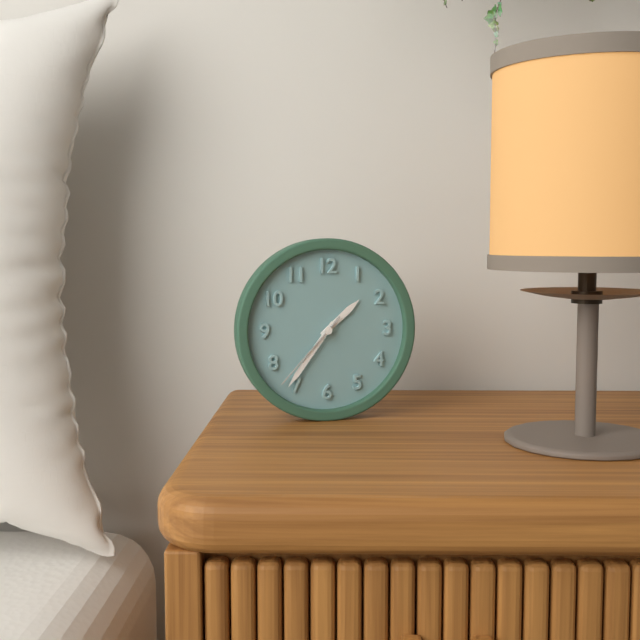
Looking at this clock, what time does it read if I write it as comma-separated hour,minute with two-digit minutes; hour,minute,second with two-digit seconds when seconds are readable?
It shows 1,36,37
